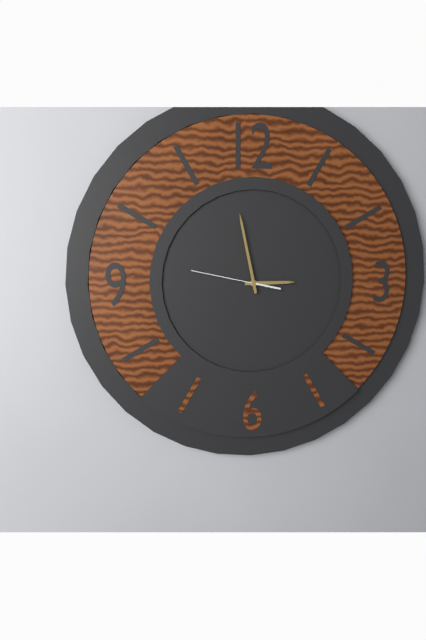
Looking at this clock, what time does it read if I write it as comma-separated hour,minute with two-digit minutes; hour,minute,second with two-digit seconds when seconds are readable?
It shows 2,58,47
